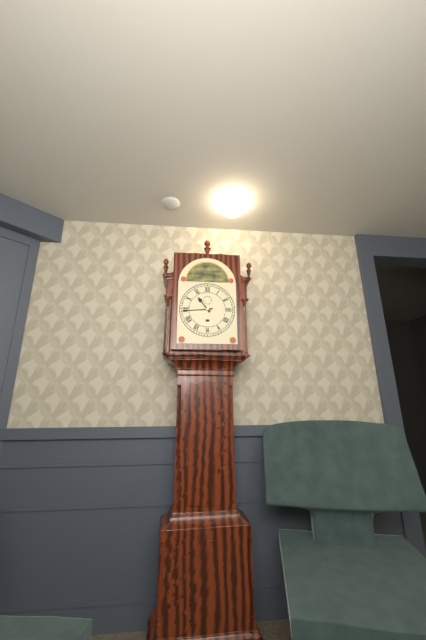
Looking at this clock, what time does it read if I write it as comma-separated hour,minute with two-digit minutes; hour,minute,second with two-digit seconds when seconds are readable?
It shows 10,44
